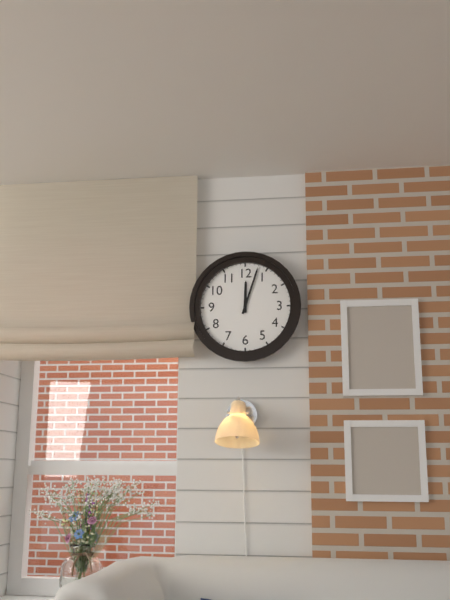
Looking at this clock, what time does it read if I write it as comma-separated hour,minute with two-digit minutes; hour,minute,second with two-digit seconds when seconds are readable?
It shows 12,03
